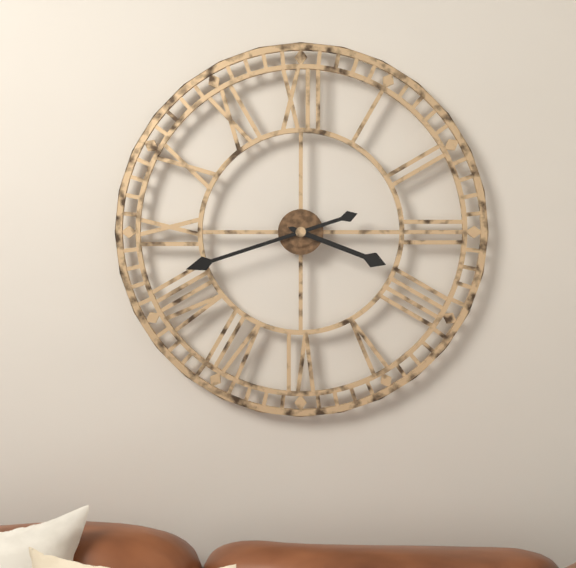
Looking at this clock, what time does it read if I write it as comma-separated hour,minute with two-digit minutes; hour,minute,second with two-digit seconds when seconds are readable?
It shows 3,42
